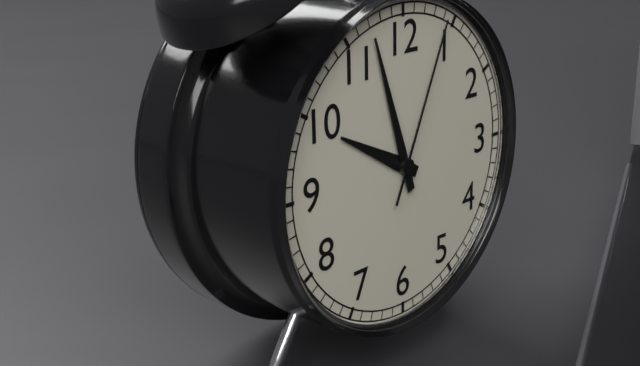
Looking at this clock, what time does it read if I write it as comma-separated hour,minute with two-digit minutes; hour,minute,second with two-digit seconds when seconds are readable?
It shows 9,57,04
